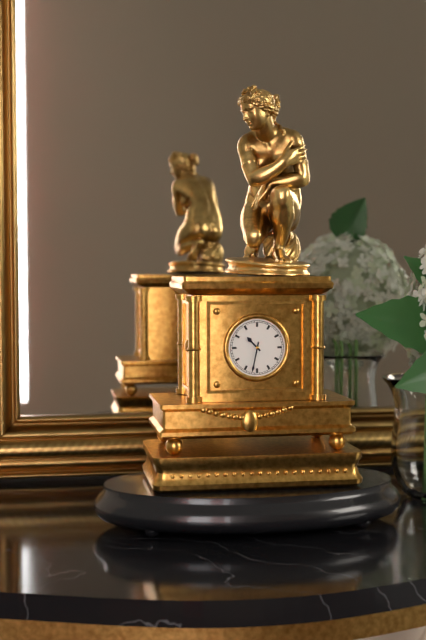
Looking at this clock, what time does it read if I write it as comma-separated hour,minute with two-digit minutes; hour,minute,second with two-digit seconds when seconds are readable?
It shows 10,32
